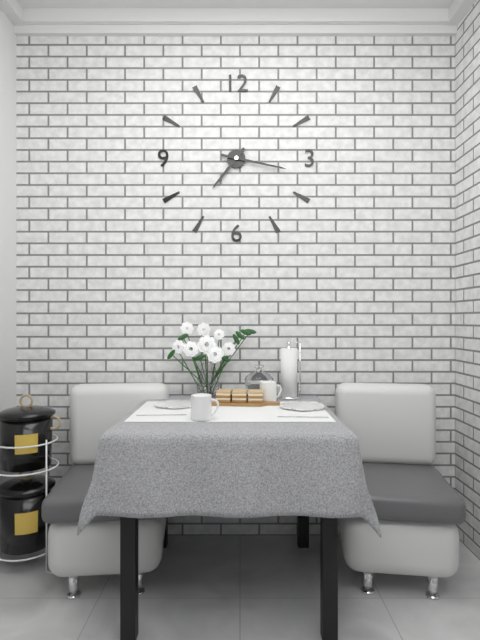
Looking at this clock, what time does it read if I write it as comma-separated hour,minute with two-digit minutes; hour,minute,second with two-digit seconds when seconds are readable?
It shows 7,17
